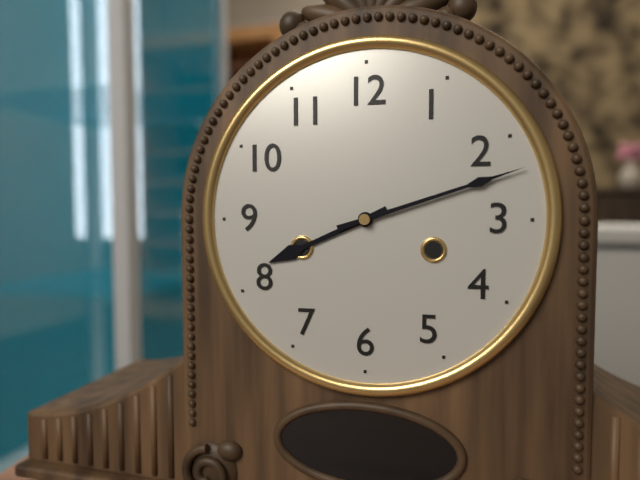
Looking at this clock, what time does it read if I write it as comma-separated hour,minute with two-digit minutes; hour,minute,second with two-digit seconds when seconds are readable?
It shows 8,12
